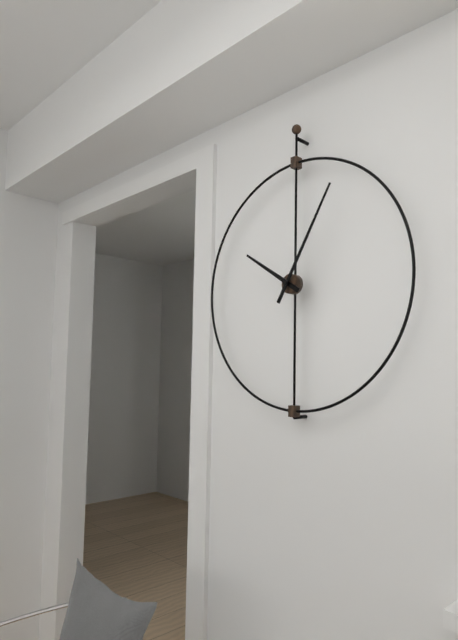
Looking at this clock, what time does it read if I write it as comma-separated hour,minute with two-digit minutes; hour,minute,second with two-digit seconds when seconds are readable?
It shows 10,05
